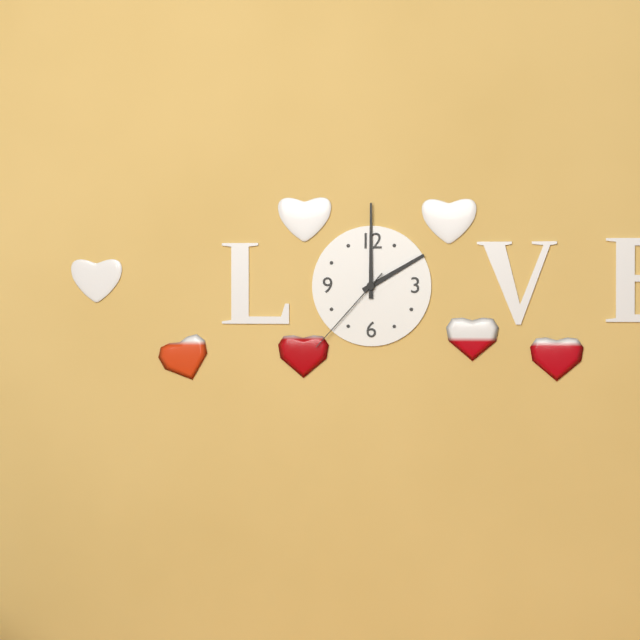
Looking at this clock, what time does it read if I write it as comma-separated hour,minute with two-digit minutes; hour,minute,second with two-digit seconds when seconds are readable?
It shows 2,00,37
